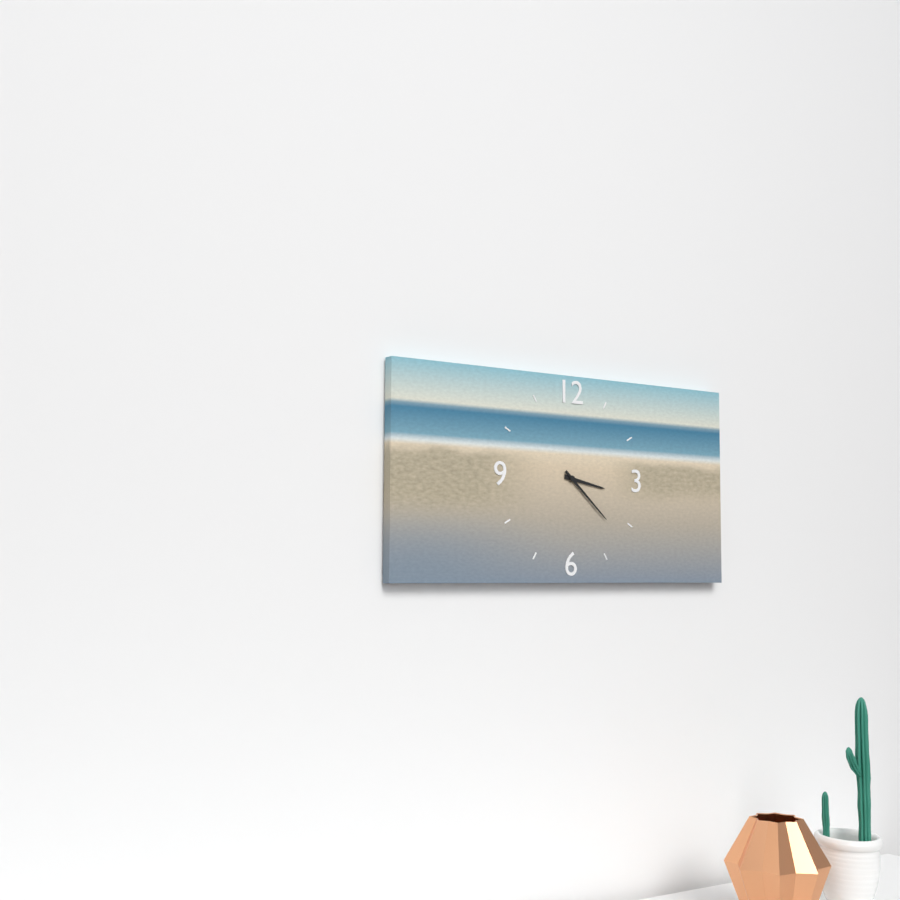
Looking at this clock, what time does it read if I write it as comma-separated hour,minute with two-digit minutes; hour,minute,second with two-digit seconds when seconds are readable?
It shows 3,22
